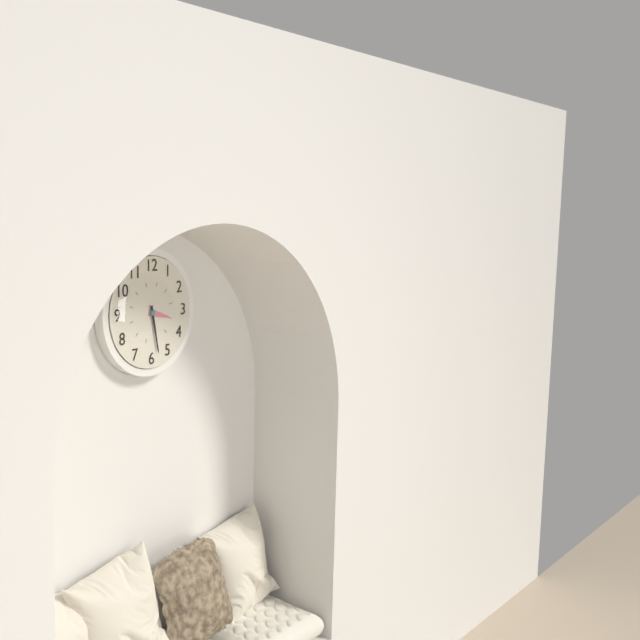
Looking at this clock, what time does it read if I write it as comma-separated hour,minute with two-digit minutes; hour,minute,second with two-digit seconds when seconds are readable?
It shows 3,28
